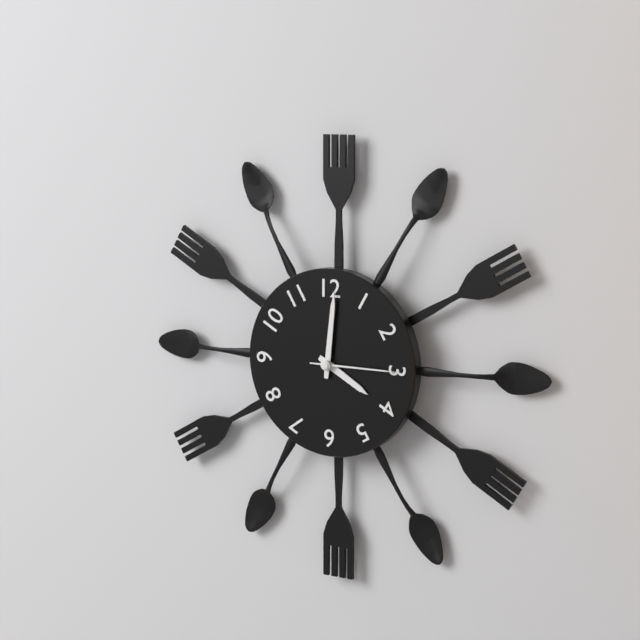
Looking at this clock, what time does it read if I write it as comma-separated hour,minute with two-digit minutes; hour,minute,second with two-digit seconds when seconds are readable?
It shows 4,01,15
